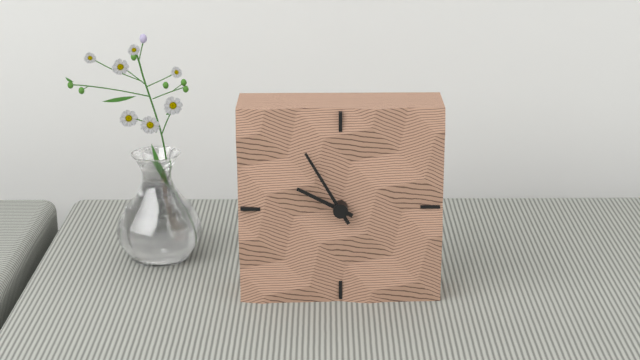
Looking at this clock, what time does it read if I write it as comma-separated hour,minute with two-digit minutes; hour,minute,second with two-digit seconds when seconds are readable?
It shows 9,55
